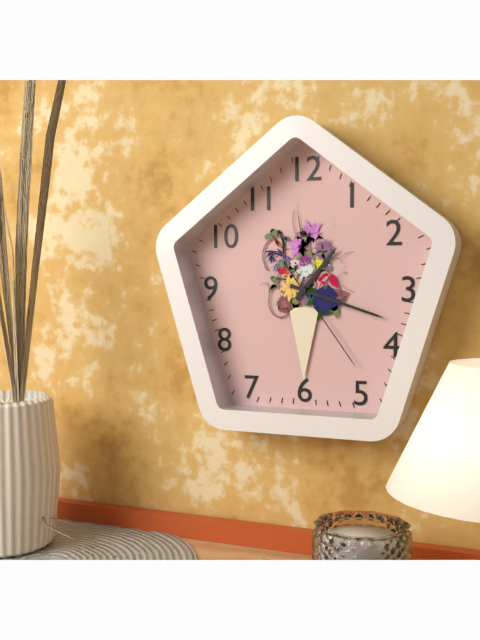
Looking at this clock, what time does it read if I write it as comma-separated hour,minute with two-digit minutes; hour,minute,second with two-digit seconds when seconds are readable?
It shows 1,18,24
